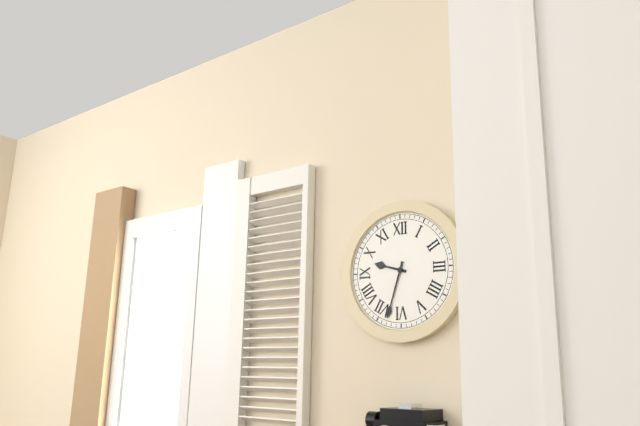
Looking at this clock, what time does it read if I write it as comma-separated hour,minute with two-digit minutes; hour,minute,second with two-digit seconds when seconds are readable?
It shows 9,33
